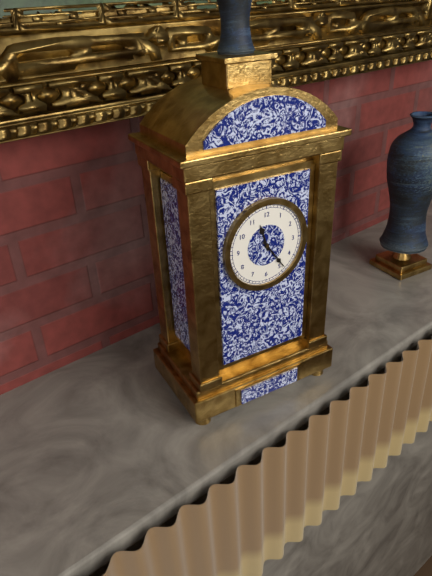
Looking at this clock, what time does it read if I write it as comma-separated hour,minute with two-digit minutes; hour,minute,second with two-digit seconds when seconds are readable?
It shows 11,24
